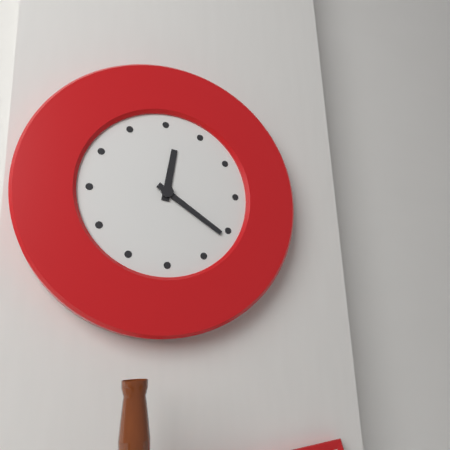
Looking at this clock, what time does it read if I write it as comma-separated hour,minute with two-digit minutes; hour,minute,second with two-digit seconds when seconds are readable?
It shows 12,21
